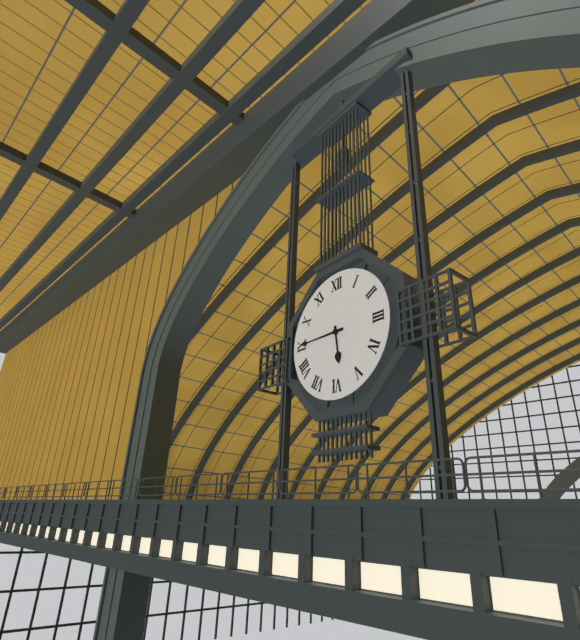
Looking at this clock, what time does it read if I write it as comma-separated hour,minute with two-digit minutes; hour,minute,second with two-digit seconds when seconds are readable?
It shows 5,45
